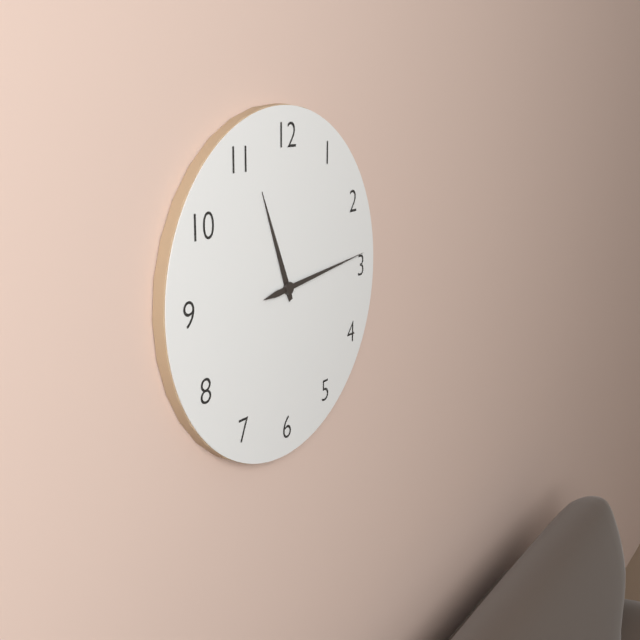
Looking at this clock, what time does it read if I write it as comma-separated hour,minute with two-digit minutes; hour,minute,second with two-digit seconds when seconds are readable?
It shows 11,14
